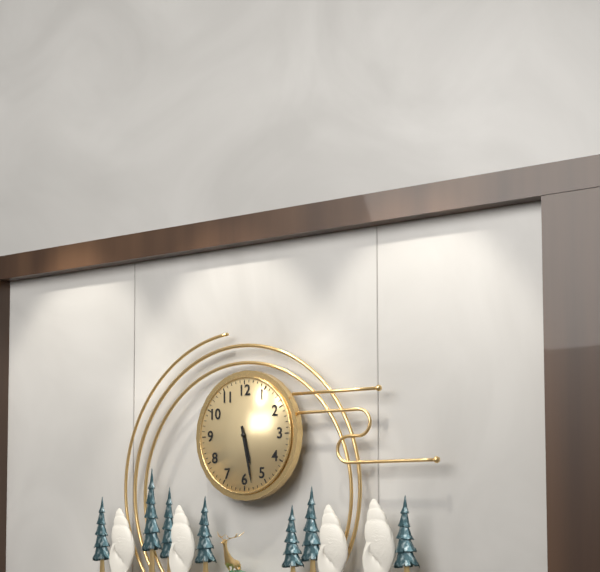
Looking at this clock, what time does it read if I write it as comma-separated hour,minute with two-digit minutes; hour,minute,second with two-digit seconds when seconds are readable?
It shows 5,28
